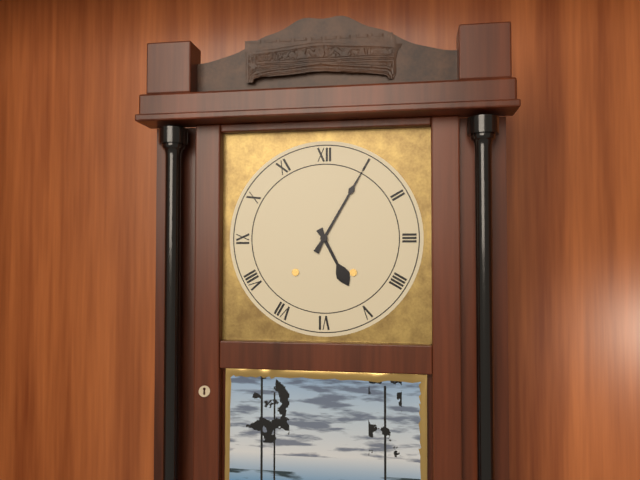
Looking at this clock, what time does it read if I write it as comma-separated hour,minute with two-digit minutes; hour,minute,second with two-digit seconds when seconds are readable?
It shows 5,05
